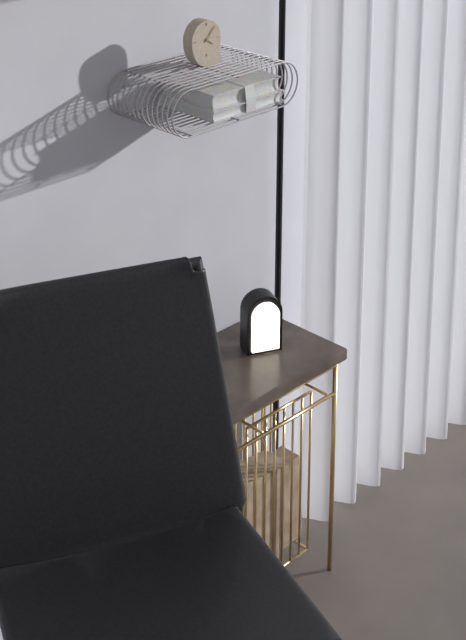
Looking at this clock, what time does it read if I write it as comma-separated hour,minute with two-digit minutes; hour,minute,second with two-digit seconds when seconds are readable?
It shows 4,07
